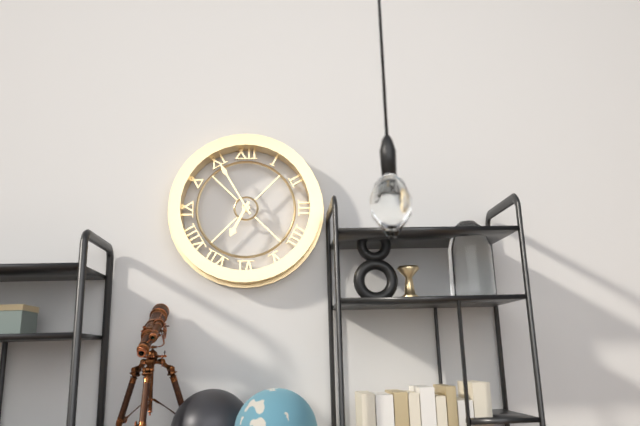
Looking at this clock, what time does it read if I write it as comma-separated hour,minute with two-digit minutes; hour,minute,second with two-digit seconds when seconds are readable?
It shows 6,55
